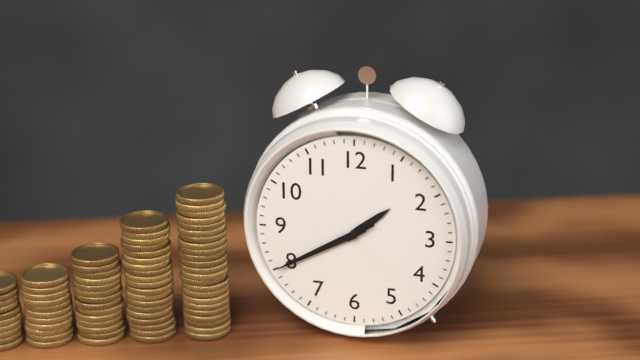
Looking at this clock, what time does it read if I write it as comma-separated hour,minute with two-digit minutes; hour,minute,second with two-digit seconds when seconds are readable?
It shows 1,40,40
